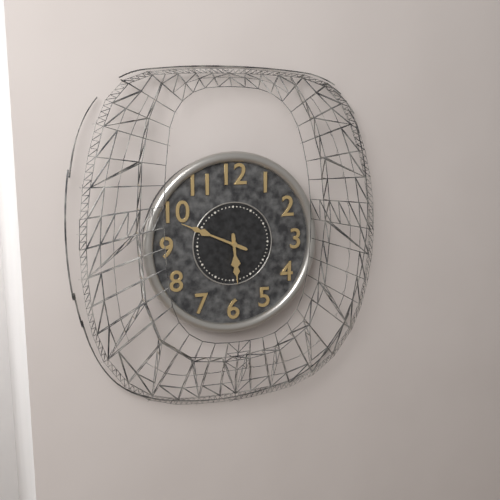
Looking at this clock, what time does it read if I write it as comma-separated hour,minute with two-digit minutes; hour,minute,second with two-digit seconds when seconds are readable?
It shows 5,49
